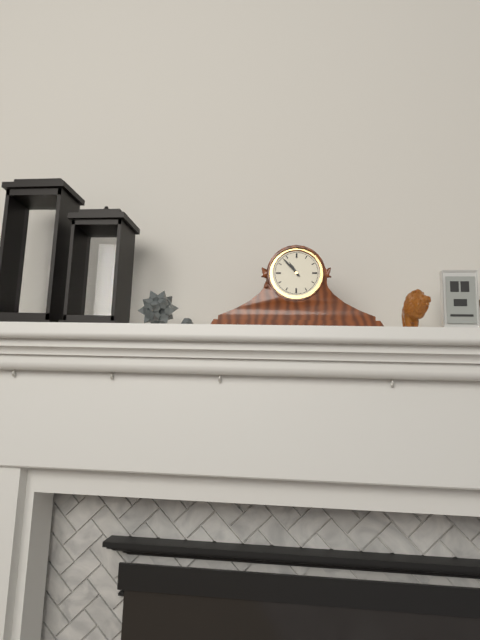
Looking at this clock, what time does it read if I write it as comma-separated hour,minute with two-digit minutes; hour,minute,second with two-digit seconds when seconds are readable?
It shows 10,53
